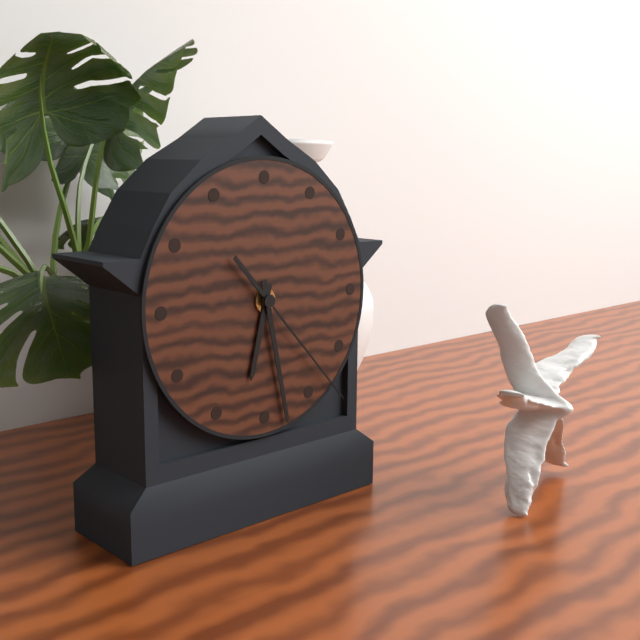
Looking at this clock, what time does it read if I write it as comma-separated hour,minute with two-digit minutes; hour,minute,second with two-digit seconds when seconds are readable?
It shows 6,28,23
